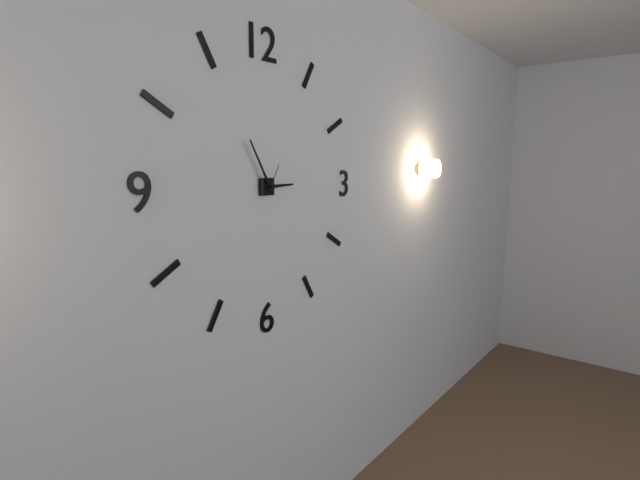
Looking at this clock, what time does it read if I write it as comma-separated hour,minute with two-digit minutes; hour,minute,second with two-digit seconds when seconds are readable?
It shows 2,55
